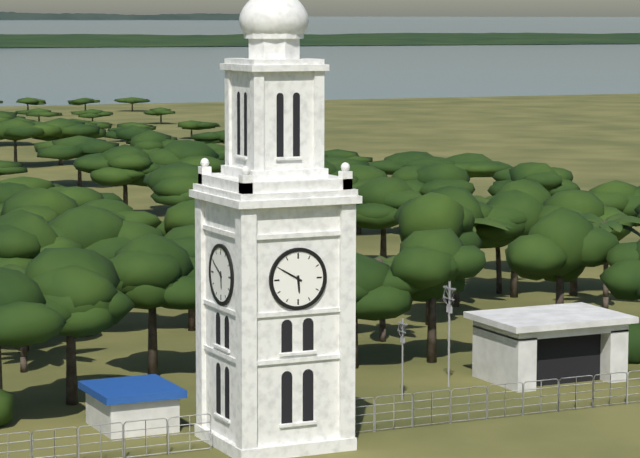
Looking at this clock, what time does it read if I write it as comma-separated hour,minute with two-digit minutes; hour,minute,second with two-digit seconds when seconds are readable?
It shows 5,50
